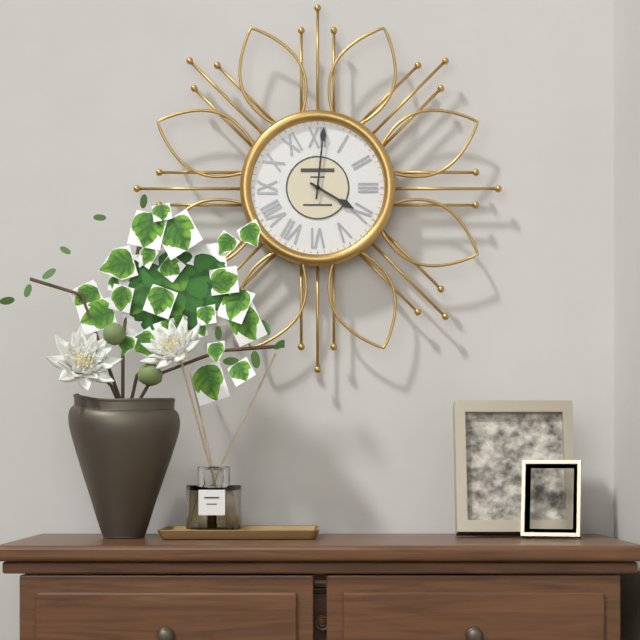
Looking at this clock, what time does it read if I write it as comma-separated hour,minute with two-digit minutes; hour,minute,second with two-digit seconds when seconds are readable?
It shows 4,01
